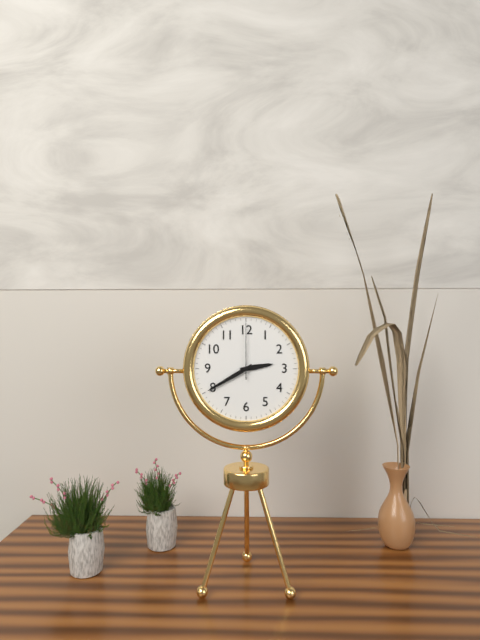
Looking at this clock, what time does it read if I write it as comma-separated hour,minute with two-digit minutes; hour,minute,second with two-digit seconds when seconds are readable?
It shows 2,40,00
